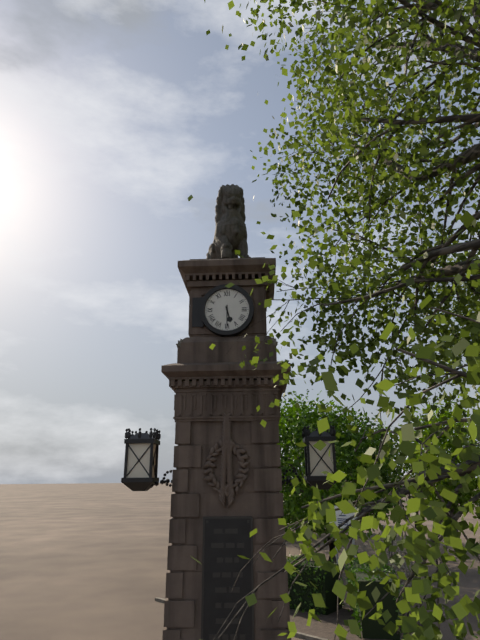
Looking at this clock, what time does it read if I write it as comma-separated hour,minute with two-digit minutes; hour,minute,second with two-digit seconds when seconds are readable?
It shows 5,30
